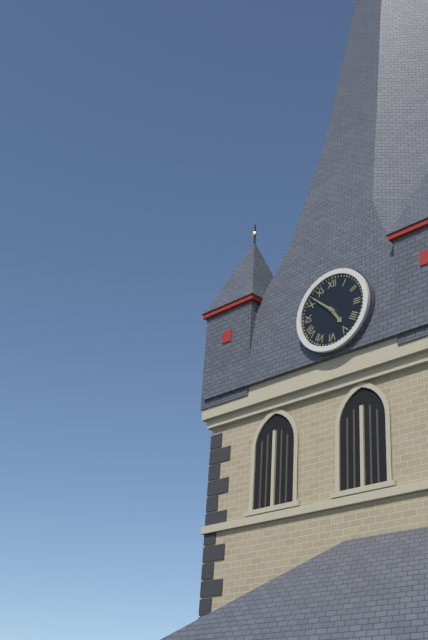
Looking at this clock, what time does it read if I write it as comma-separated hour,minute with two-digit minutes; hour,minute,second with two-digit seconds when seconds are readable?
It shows 4,52
